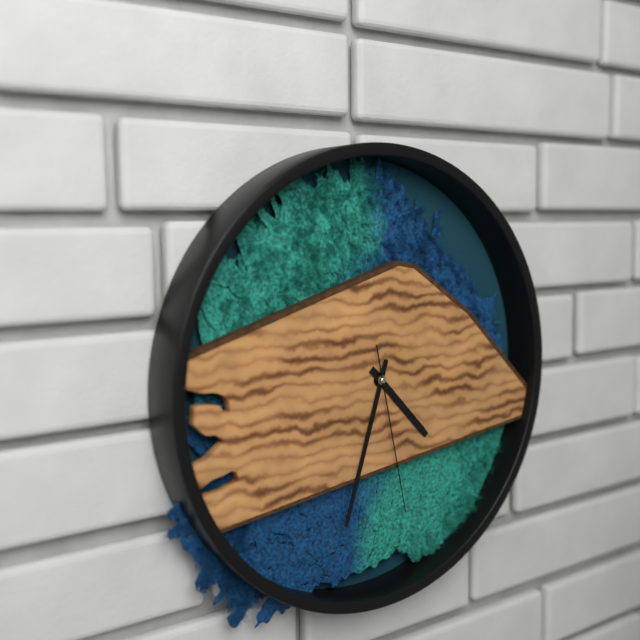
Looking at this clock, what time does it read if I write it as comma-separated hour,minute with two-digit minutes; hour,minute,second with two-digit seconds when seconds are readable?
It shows 4,33,28
